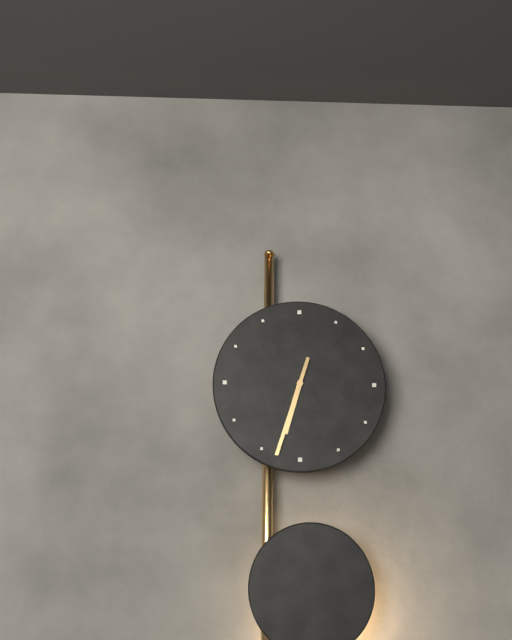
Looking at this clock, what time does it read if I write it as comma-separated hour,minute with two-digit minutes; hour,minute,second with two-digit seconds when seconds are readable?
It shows 6,33
